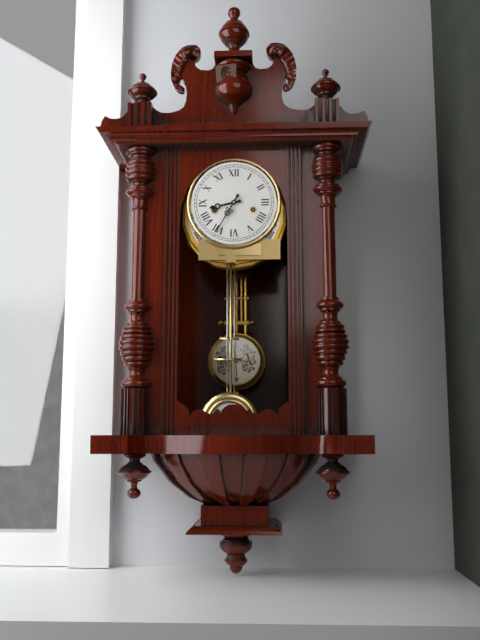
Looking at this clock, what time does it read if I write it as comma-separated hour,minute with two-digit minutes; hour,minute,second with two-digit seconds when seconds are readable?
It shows 8,35
